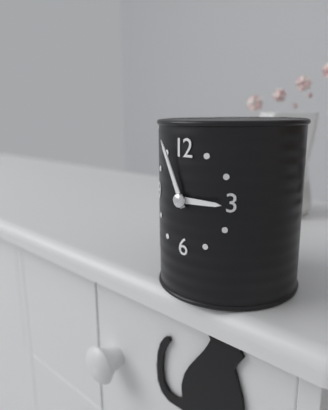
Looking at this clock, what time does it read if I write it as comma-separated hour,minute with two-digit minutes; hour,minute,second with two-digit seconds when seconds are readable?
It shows 2,56
